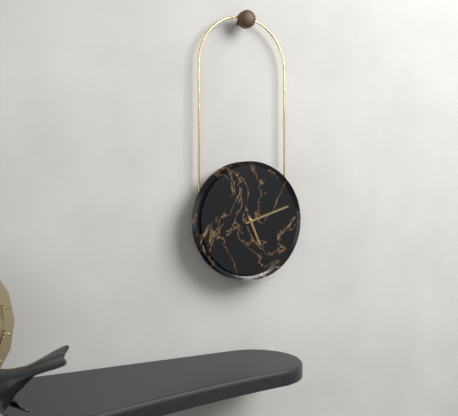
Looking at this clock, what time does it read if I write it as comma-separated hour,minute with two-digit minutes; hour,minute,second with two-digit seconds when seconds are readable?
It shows 5,12
